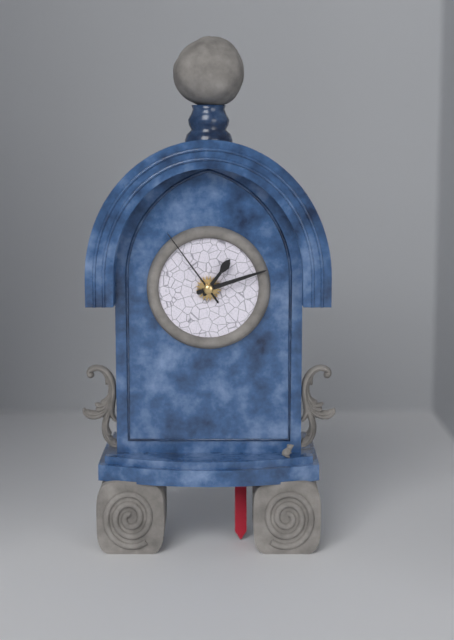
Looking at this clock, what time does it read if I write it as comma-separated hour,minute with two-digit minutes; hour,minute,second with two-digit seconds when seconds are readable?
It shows 1,12,54
